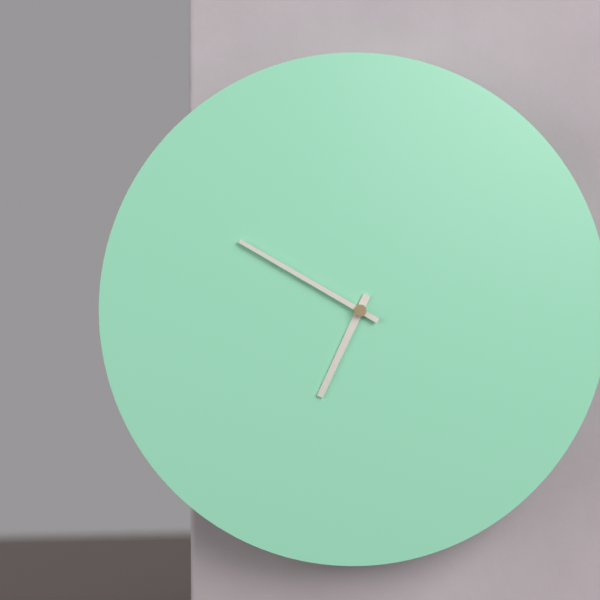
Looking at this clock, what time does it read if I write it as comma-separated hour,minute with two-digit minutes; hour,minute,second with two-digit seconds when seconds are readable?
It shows 6,50
